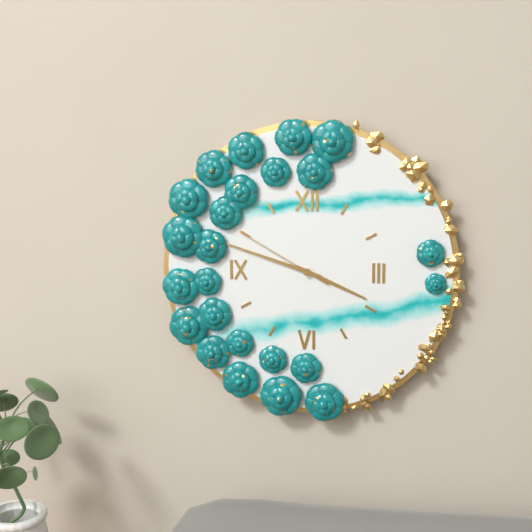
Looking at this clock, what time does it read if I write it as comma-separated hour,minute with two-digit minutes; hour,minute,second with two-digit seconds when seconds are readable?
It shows 3,48,50
